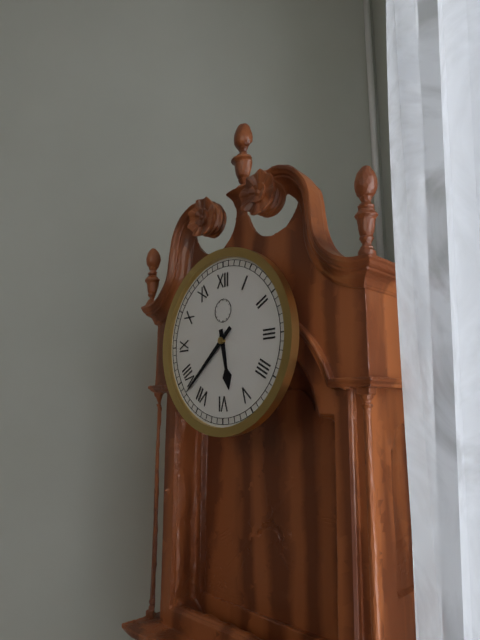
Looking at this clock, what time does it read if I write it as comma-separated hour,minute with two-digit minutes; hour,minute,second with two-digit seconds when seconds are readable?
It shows 5,38
